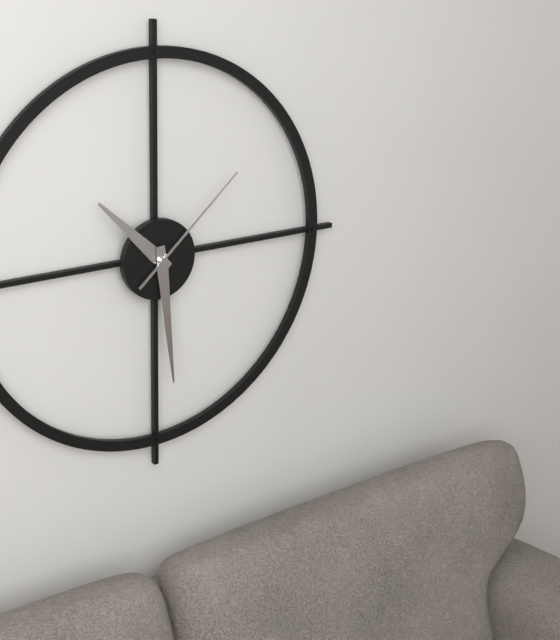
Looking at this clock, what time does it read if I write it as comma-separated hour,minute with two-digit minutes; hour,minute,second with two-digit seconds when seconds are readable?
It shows 10,29,08
